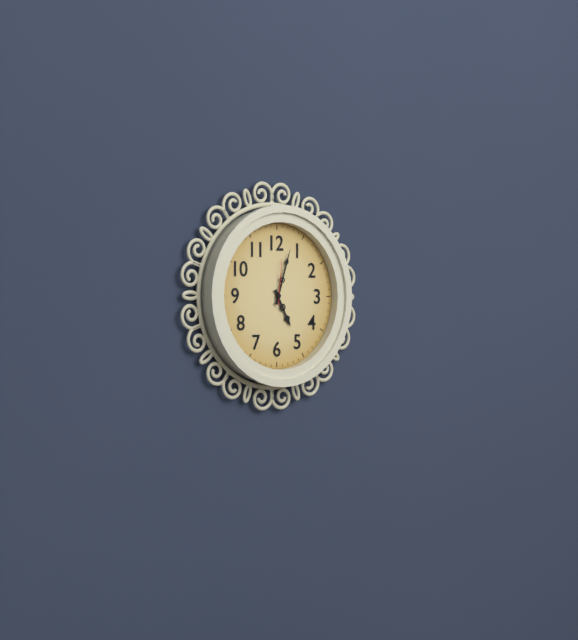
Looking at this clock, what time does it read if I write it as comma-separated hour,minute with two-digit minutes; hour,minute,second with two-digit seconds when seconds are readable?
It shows 5,03
